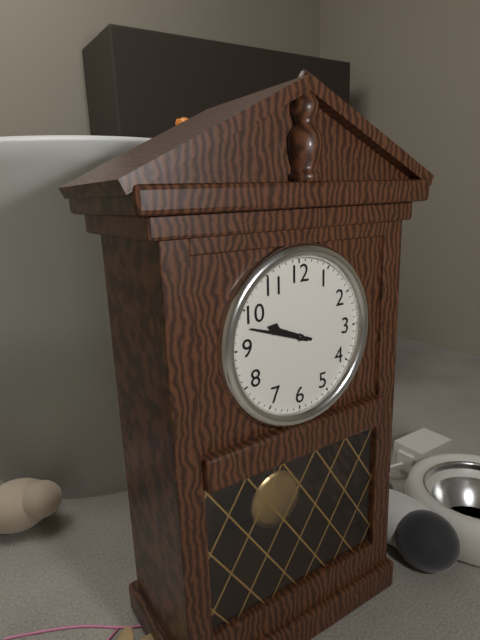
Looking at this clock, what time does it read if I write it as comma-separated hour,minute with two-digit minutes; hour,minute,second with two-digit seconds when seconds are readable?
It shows 9,48
